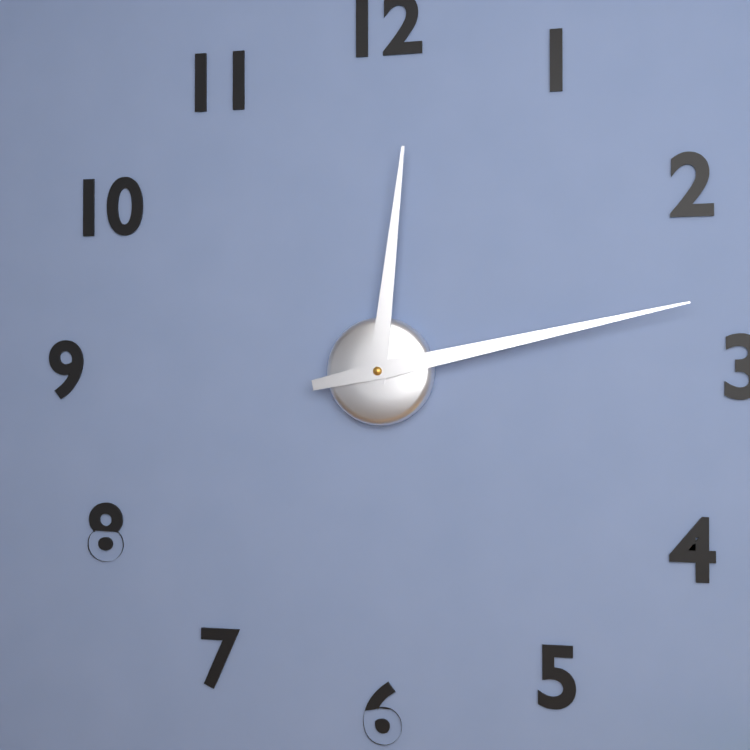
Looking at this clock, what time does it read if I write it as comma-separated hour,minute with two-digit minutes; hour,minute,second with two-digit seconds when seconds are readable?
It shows 12,13
